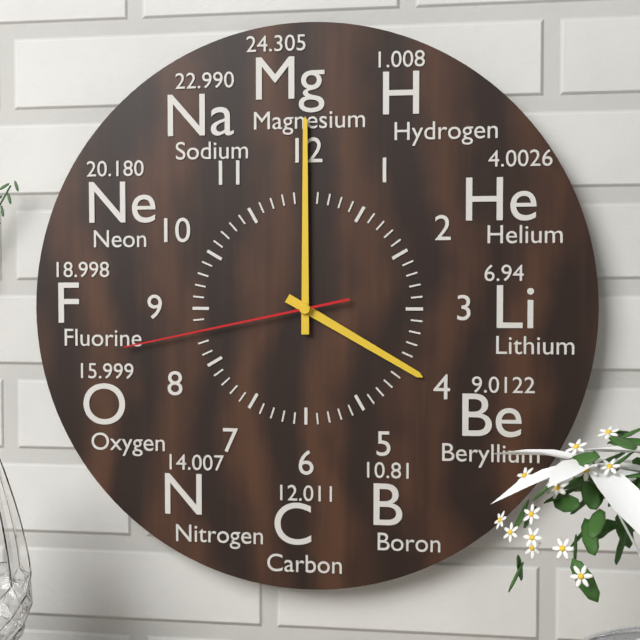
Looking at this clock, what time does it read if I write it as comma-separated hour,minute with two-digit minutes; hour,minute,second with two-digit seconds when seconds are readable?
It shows 4,00,43
